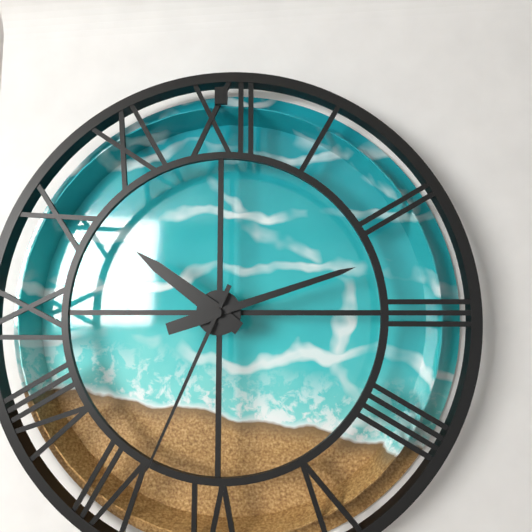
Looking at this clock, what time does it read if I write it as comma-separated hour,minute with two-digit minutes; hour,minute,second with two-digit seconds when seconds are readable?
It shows 10,12,34
